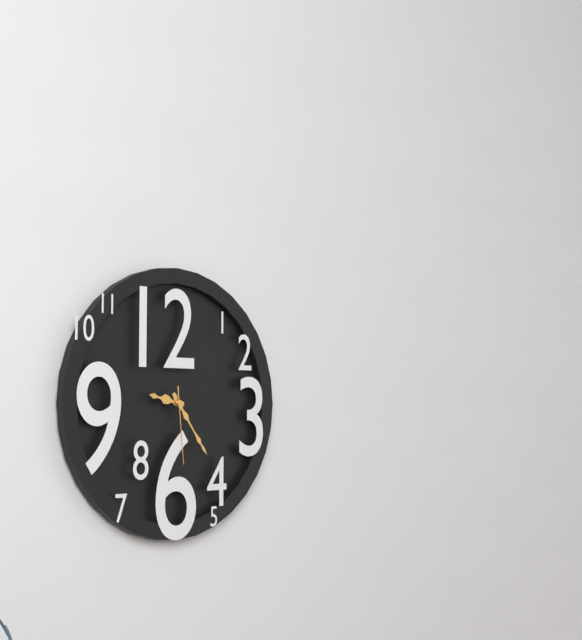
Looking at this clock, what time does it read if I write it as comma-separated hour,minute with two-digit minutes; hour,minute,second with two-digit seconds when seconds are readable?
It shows 9,24,29
